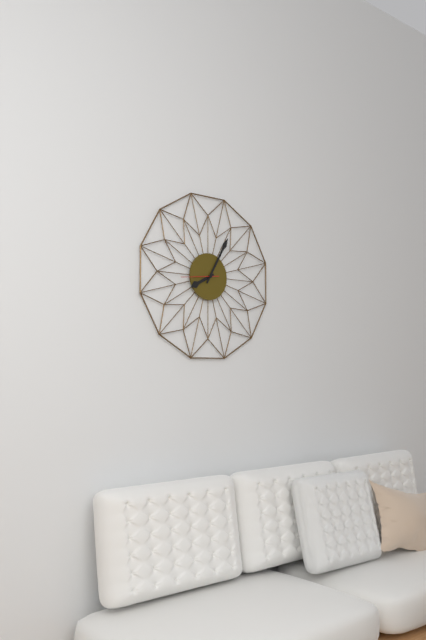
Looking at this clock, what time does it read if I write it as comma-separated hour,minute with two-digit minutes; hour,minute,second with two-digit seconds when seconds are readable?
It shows 8,05
